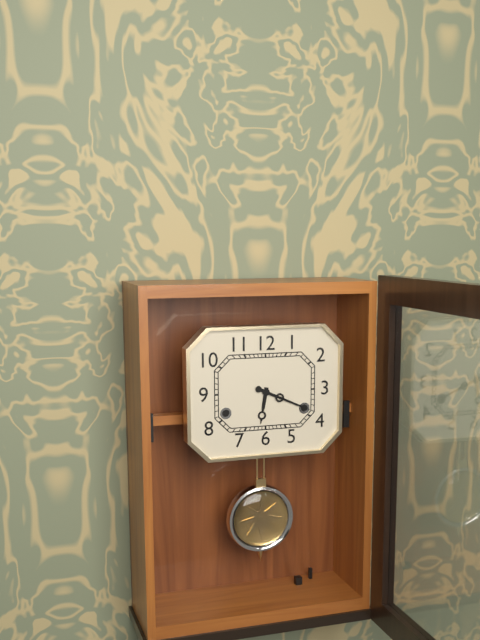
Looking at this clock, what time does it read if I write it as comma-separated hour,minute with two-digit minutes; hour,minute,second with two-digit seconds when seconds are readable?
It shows 6,19
